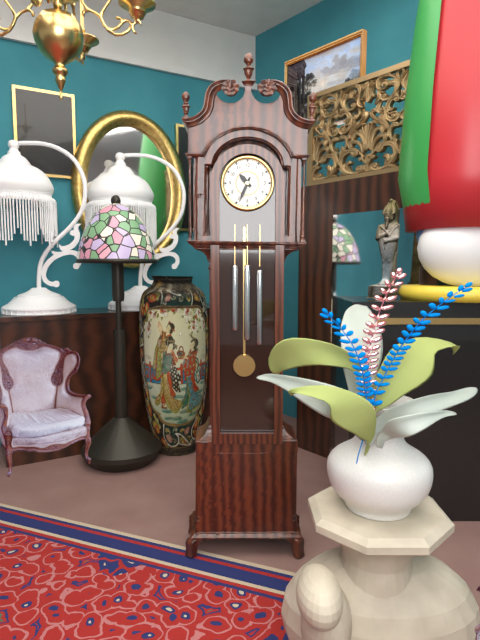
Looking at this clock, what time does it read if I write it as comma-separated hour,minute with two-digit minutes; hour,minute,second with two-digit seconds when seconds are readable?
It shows 10,34
